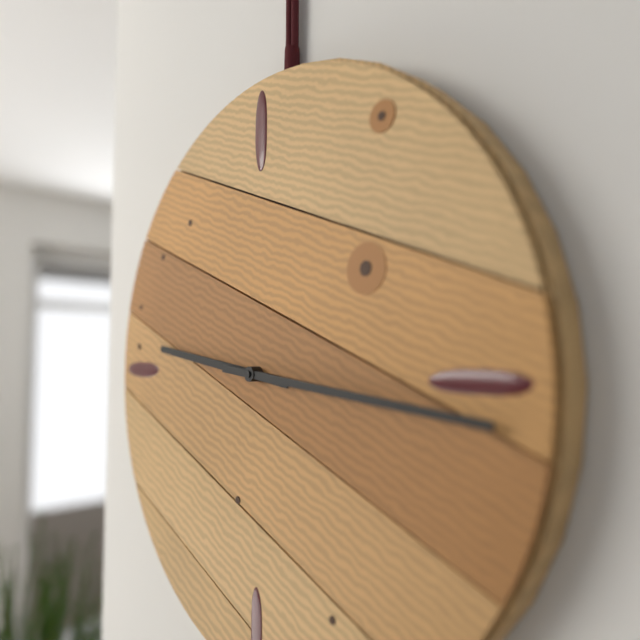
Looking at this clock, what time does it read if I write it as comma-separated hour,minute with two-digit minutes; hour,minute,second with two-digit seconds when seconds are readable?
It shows 9,16
